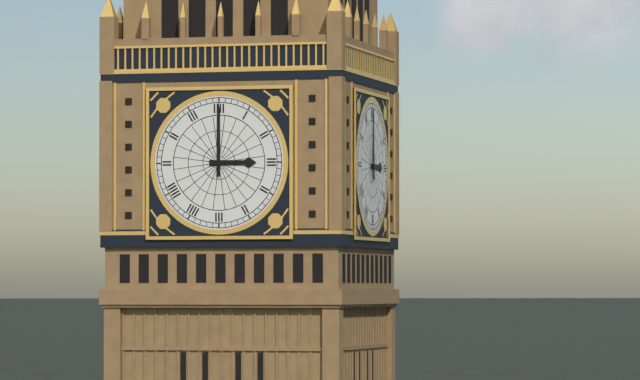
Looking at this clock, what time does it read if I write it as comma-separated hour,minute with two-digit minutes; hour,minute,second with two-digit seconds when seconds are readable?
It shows 3,00
